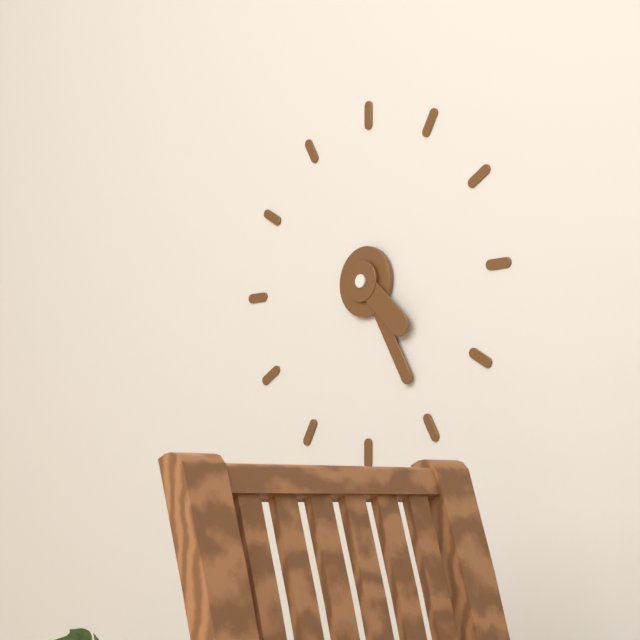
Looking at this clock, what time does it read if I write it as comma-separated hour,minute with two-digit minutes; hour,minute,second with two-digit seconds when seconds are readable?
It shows 4,25
